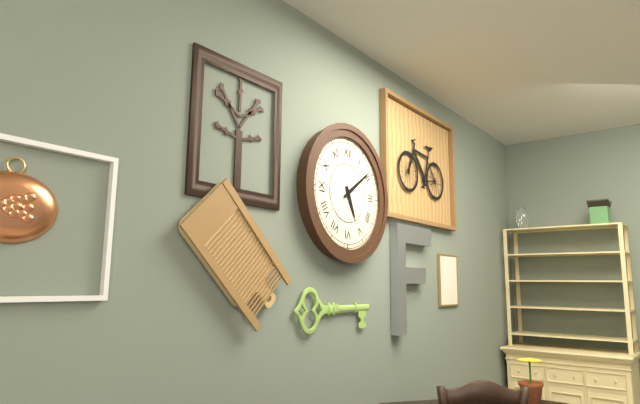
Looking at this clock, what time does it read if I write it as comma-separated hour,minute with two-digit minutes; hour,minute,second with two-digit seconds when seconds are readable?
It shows 5,09
